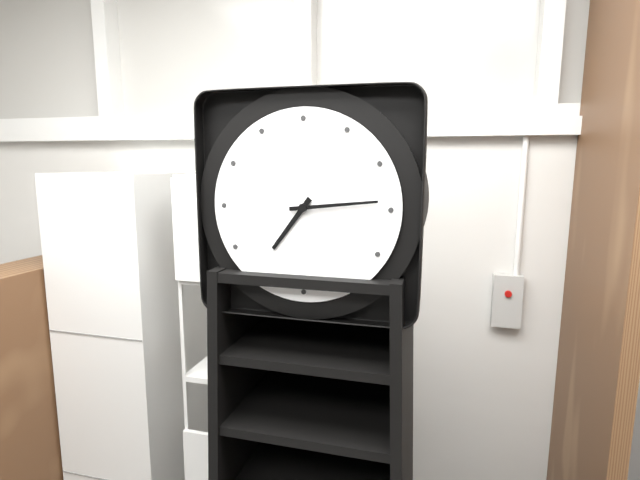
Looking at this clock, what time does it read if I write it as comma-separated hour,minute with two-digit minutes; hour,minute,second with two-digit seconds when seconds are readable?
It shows 7,14
